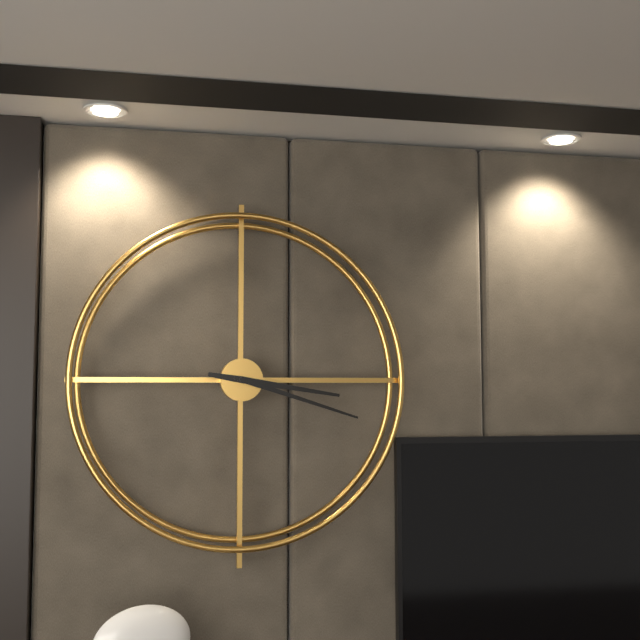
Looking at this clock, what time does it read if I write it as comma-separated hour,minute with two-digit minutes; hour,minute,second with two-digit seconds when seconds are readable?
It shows 3,18
